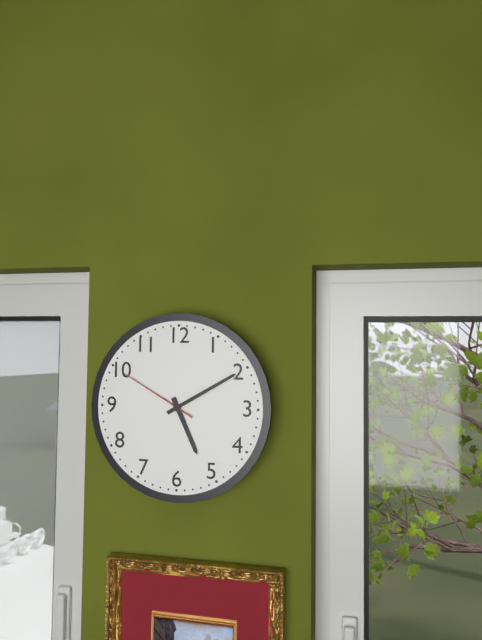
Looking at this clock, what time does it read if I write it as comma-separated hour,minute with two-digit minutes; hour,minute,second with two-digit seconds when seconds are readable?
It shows 5,10,50
